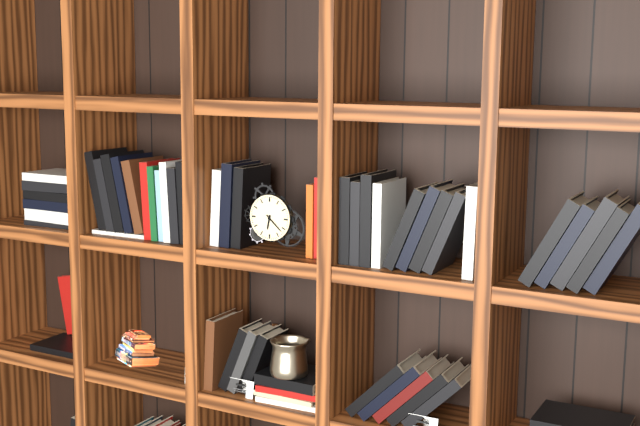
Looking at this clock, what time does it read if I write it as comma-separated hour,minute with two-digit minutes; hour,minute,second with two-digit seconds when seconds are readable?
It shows 6,22
